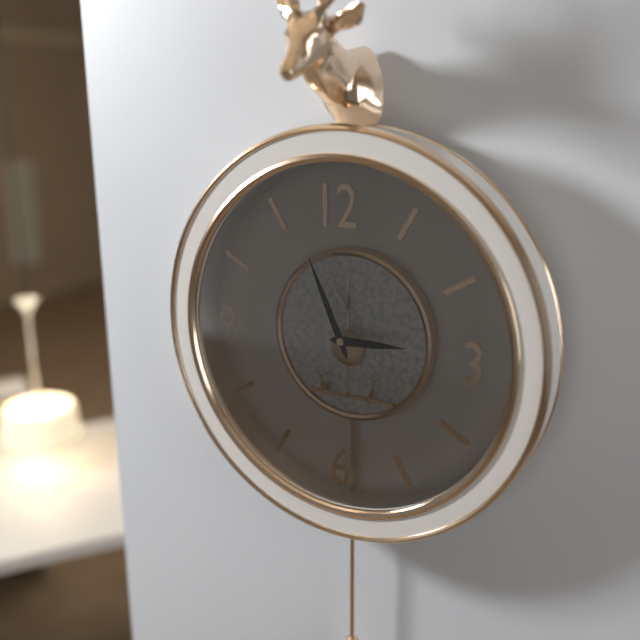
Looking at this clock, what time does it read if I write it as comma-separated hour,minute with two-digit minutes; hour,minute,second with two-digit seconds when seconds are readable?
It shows 2,56
